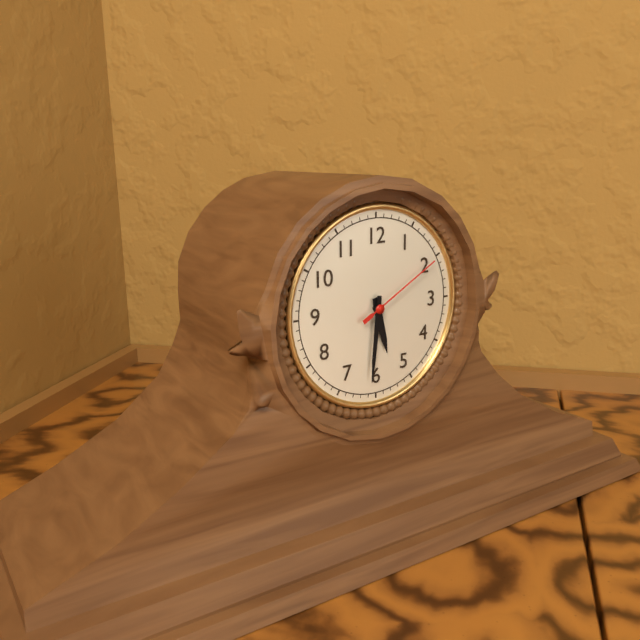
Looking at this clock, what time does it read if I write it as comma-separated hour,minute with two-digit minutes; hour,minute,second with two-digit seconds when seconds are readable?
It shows 5,31,10
